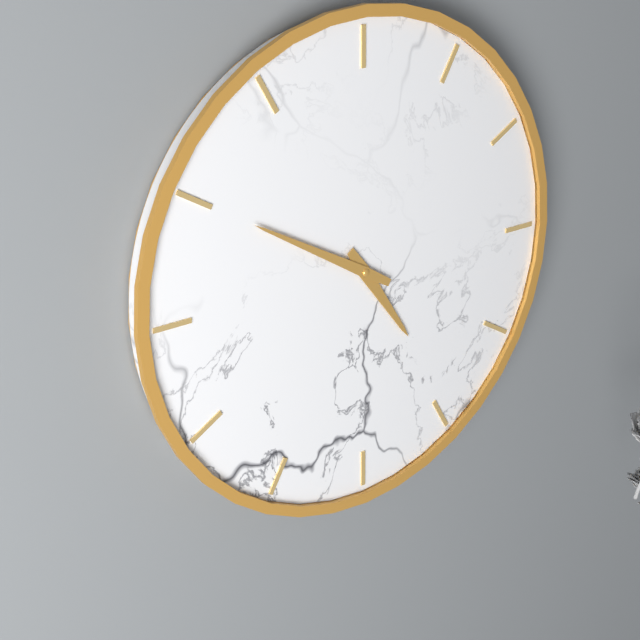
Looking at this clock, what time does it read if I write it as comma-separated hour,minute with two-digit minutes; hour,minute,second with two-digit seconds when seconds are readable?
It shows 4,50
